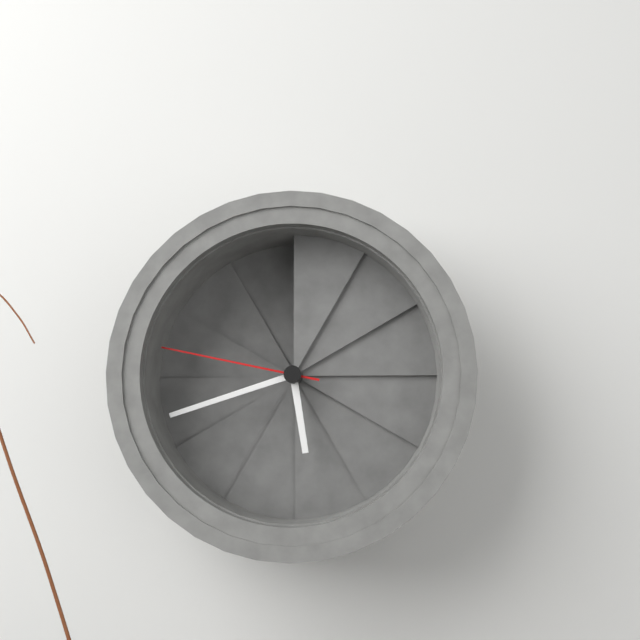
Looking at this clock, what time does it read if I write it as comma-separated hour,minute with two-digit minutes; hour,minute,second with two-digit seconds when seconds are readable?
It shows 5,42,47
